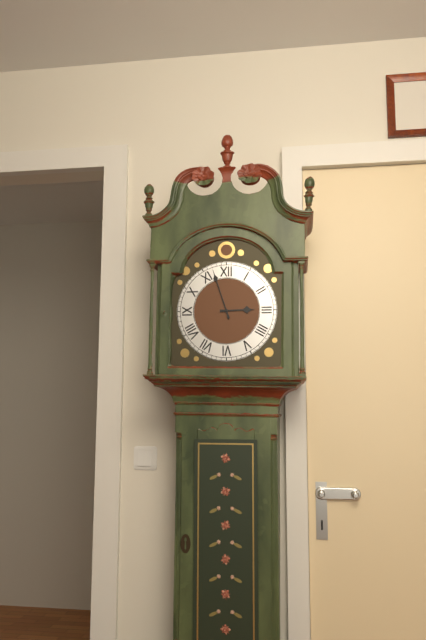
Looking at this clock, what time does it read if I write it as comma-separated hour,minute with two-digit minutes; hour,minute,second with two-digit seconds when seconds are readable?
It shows 2,57
